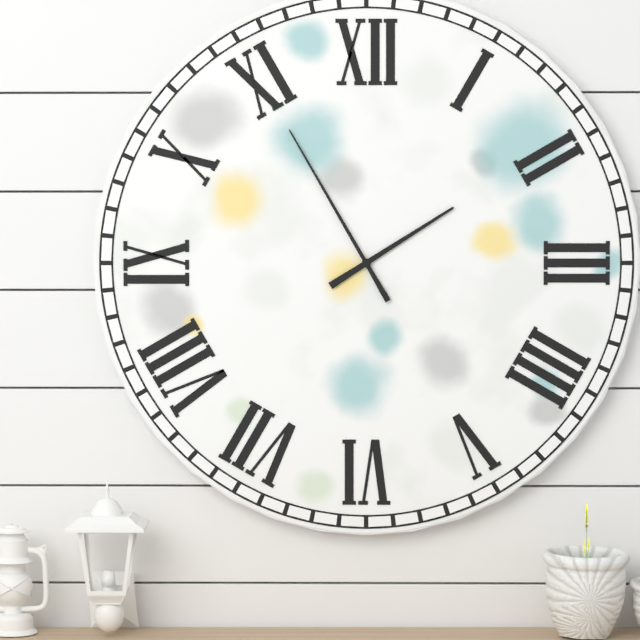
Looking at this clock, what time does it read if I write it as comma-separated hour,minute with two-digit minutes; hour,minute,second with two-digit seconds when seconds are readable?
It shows 1,55
